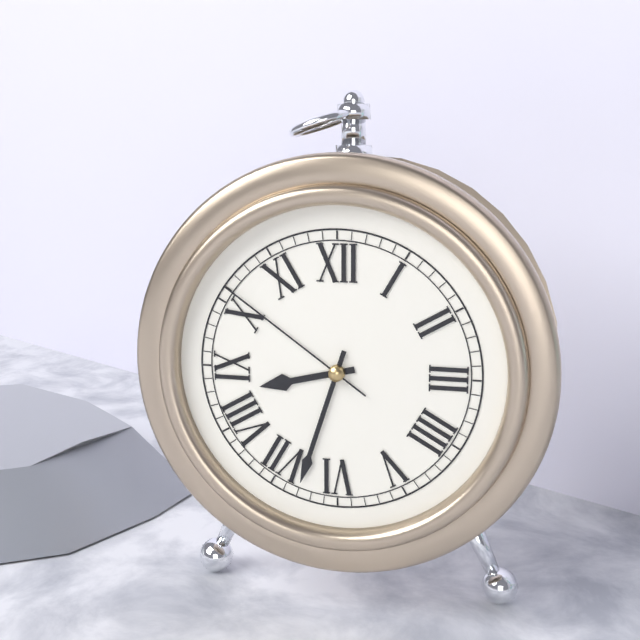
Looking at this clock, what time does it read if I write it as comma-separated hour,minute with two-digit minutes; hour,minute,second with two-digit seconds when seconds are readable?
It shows 8,33,51
